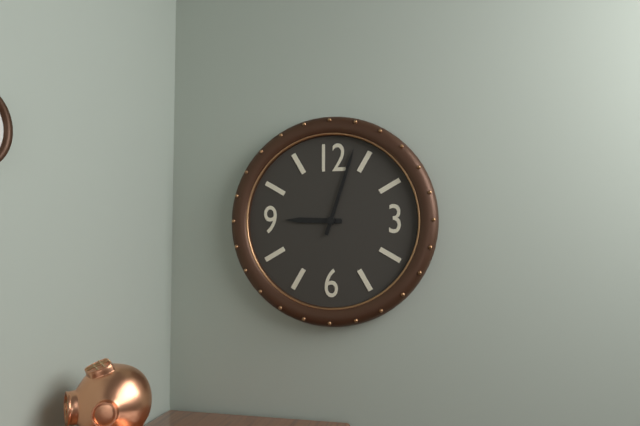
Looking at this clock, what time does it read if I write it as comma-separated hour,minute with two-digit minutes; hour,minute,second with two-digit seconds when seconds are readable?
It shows 9,03
